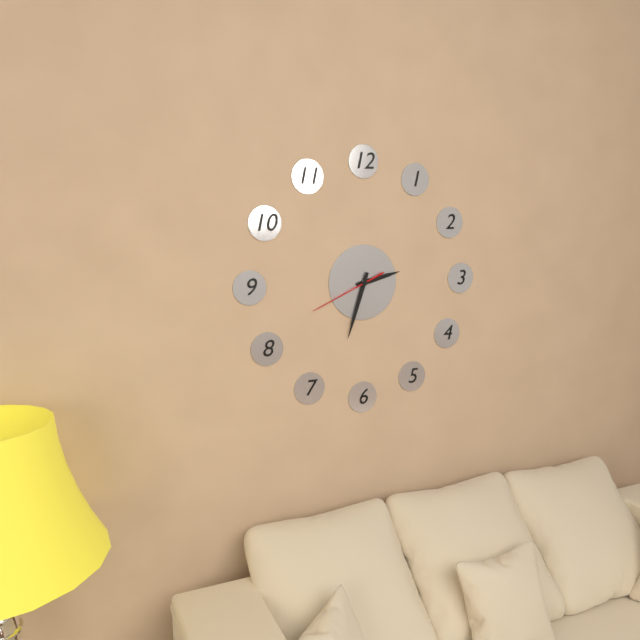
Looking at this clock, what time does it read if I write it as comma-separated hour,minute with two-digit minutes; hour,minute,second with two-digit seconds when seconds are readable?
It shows 2,33,41
